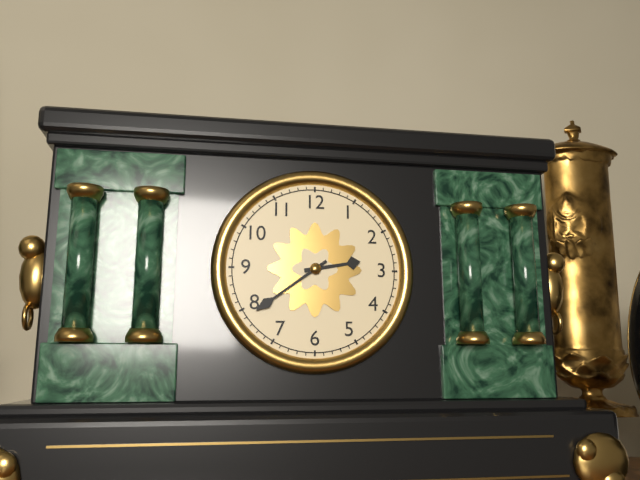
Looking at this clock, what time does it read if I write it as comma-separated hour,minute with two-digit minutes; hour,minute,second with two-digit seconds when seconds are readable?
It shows 2,39
